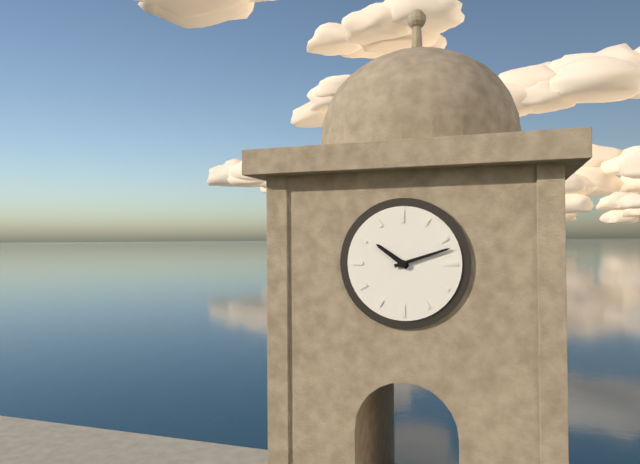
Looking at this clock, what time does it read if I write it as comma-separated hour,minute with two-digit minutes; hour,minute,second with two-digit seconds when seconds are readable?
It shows 10,12
